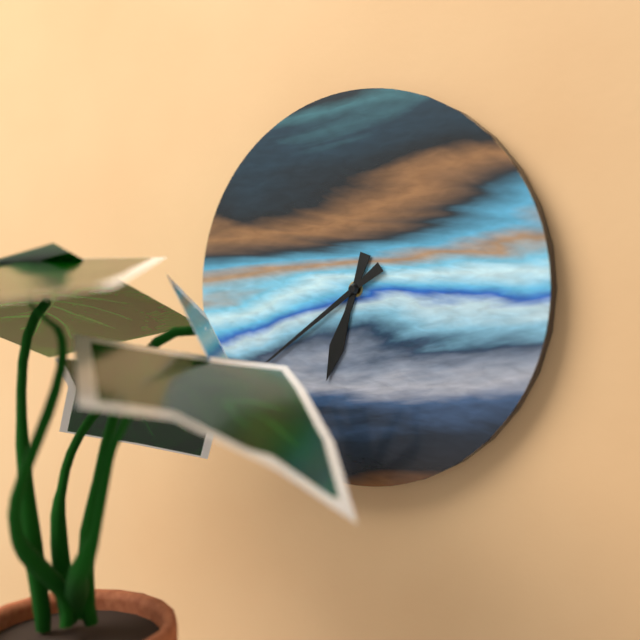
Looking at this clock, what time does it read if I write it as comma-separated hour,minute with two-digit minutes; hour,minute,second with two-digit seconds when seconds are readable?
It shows 6,39
